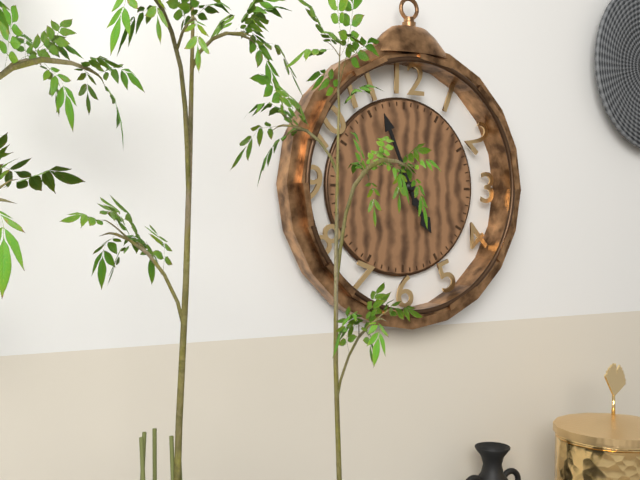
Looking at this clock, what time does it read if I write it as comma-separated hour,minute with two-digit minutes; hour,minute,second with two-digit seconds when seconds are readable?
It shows 4,56
